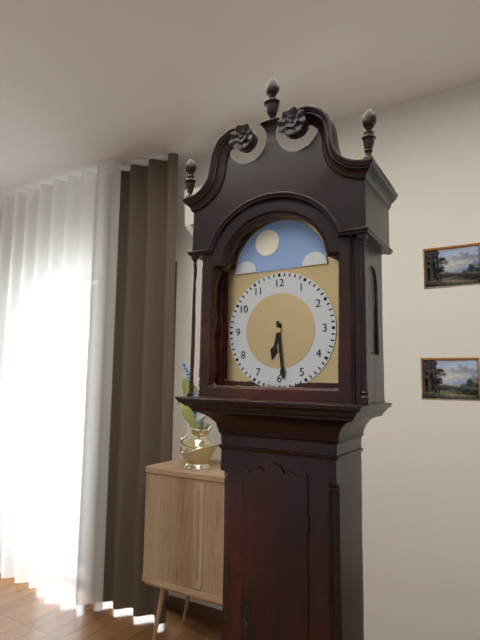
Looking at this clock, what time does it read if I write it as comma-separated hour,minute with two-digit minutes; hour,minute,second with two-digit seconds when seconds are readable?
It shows 6,29
